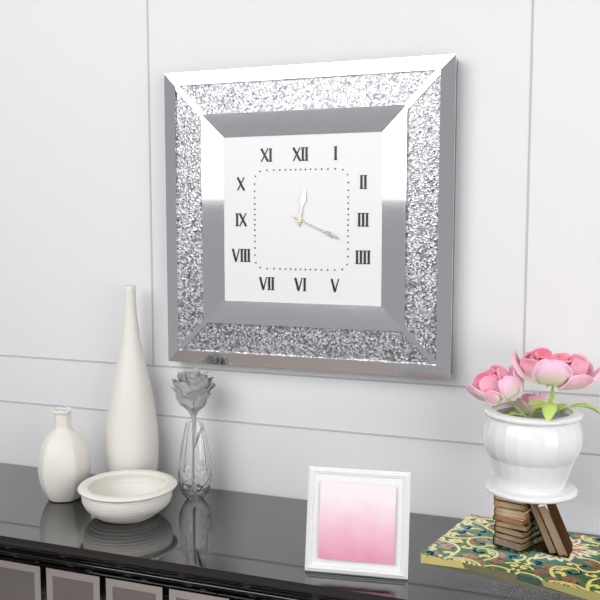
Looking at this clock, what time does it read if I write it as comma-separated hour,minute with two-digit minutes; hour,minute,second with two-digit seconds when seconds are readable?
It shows 12,19
